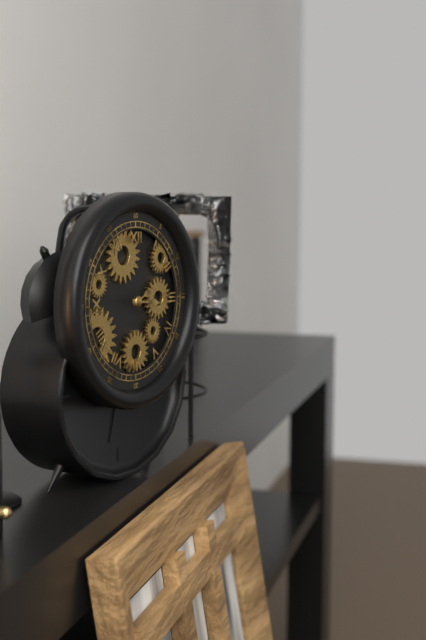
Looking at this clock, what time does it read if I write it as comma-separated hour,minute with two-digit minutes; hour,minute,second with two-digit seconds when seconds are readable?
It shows 2,16
